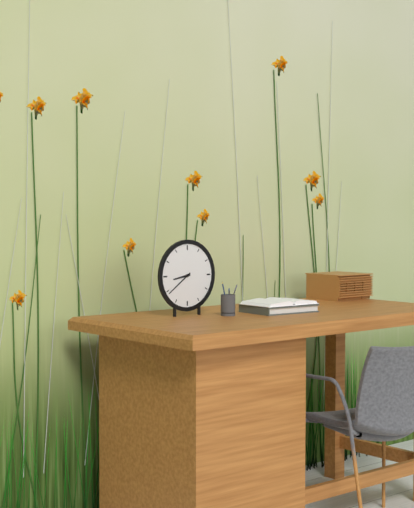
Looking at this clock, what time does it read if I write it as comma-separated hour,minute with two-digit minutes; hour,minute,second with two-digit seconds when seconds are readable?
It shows 8,39
